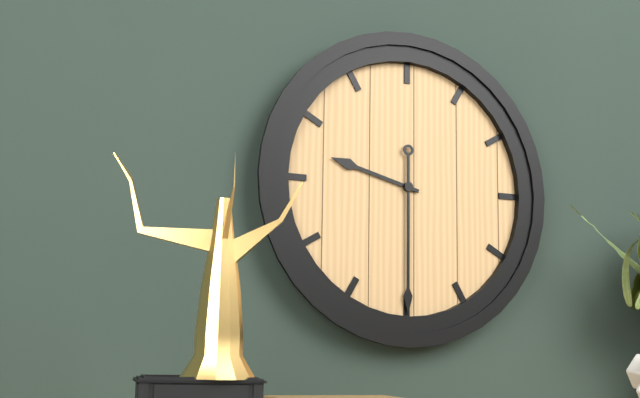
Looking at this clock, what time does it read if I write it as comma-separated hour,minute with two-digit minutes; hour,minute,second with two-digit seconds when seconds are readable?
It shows 9,30
